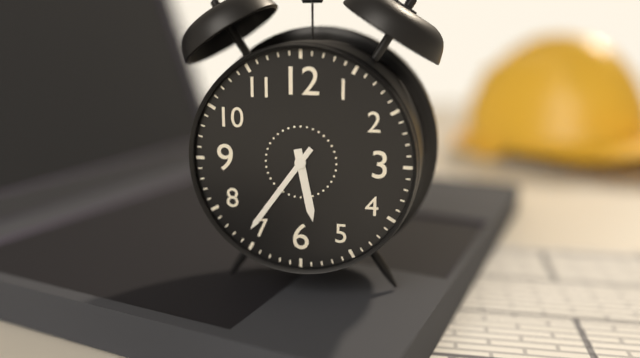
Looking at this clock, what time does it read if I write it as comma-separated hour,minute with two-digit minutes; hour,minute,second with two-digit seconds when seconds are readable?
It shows 5,36
